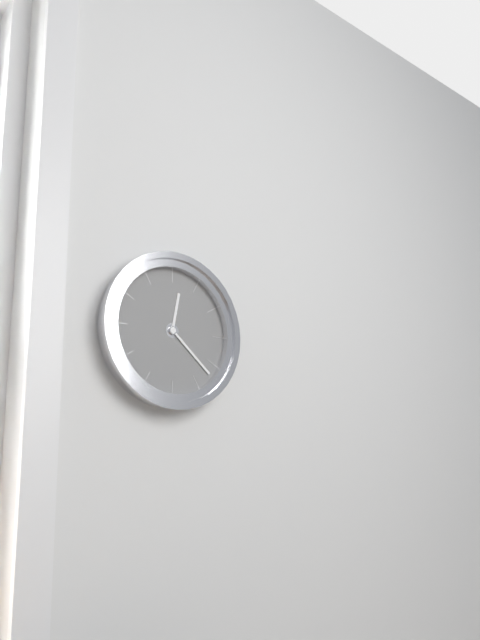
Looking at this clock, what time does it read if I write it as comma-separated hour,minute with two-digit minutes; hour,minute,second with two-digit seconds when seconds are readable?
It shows 12,22
